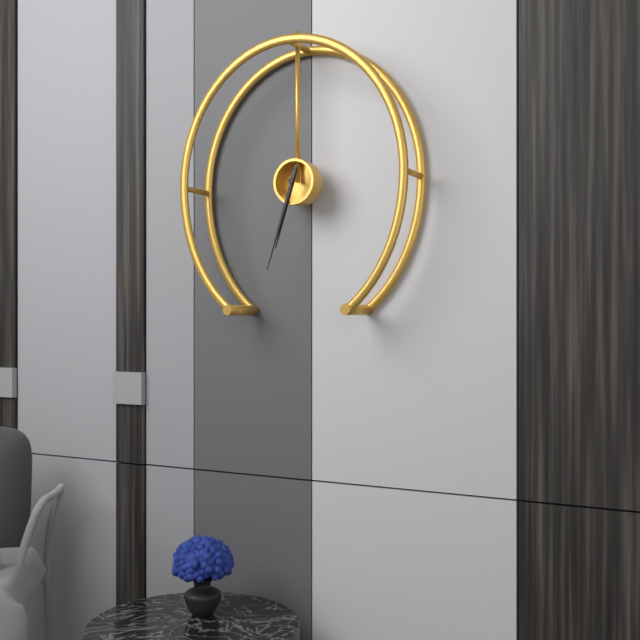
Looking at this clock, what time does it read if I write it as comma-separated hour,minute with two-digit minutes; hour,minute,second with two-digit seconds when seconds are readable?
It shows 6,33
